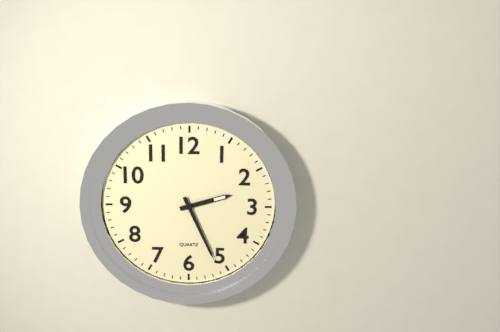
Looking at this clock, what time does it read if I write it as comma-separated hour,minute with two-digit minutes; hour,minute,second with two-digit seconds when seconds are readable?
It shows 2,26
